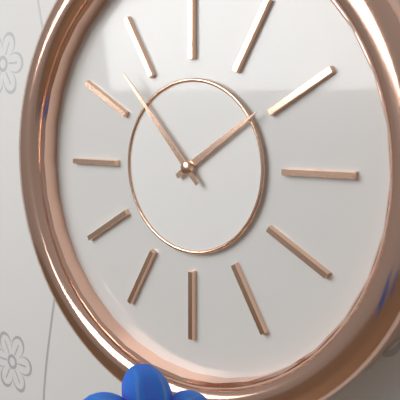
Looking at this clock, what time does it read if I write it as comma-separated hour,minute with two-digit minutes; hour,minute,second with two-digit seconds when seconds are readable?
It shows 1,53
